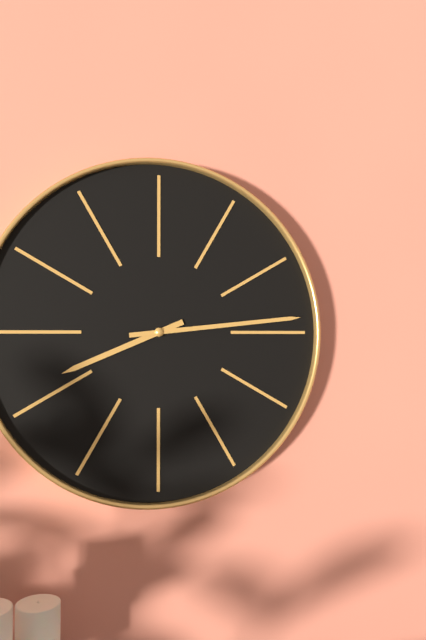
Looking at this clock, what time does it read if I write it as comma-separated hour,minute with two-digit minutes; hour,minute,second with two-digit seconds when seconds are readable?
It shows 8,14
